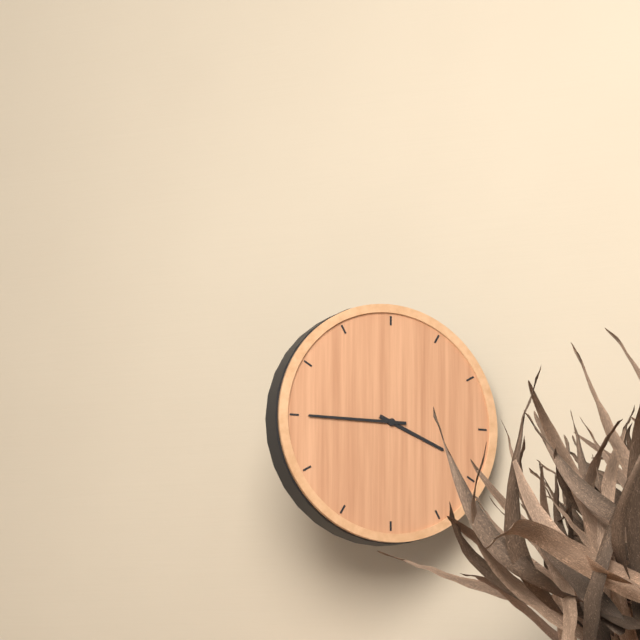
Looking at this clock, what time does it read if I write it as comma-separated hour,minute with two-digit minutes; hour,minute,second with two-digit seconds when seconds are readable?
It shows 3,45
